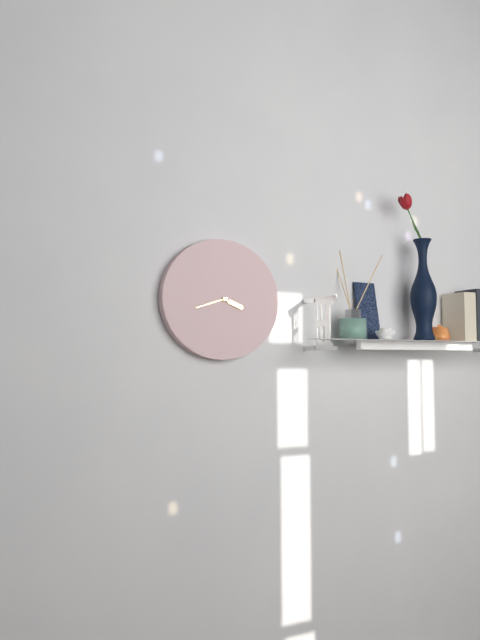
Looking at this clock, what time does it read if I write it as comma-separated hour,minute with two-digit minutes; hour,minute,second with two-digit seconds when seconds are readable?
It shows 3,42
